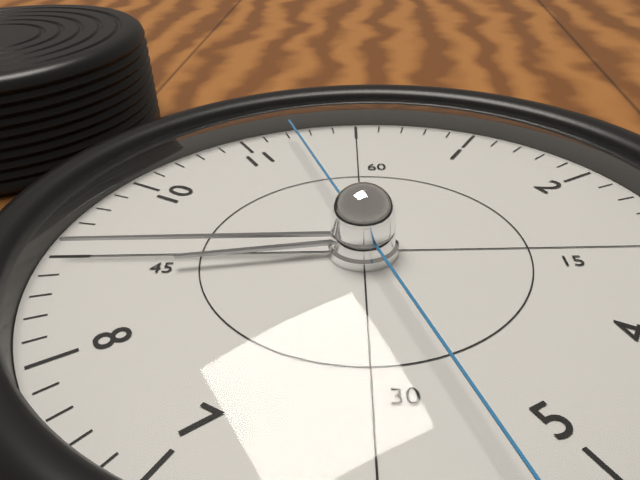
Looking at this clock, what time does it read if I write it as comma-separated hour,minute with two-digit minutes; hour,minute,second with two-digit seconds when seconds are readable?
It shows 8,45
